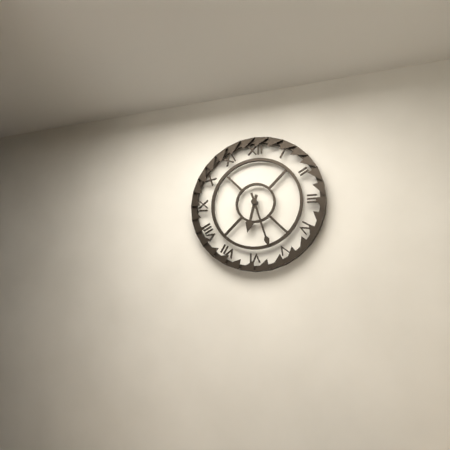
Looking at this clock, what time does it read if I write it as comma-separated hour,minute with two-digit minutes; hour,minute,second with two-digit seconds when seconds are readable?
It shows 6,27
